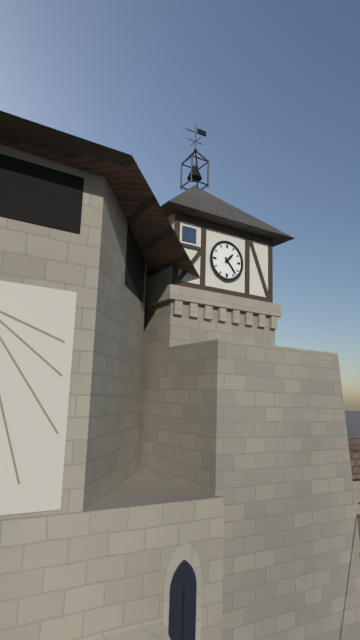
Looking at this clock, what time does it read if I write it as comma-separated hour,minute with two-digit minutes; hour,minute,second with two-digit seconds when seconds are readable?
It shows 1,23
